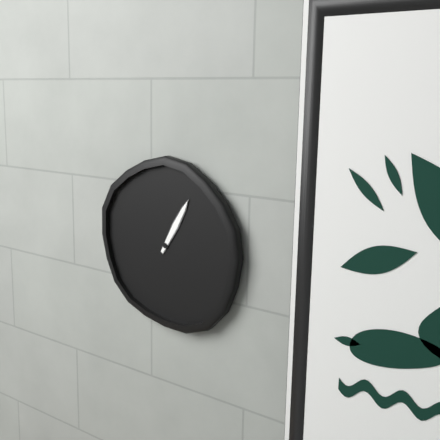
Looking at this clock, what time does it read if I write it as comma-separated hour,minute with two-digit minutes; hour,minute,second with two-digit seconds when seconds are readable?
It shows 1,05
